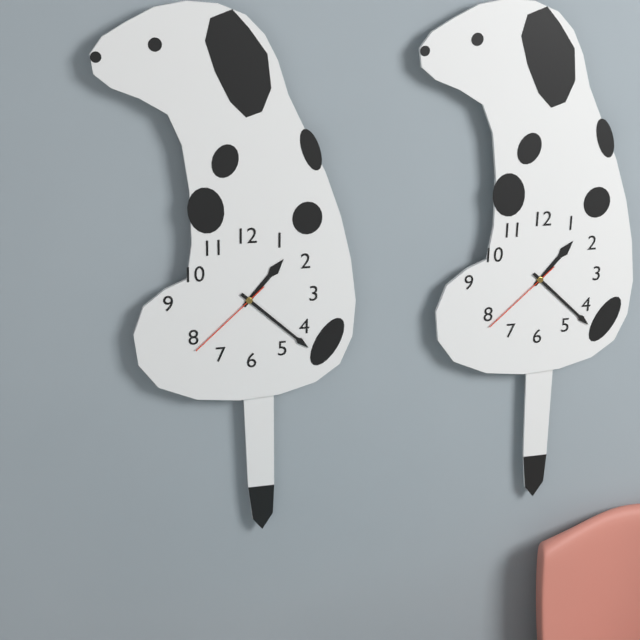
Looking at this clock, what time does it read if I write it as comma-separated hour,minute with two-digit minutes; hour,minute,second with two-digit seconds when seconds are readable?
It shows 1,22,38
